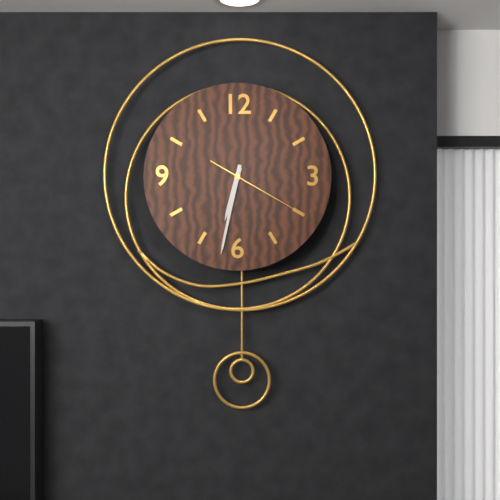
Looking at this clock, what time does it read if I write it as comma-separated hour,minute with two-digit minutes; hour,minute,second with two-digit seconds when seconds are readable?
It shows 6,32,20
